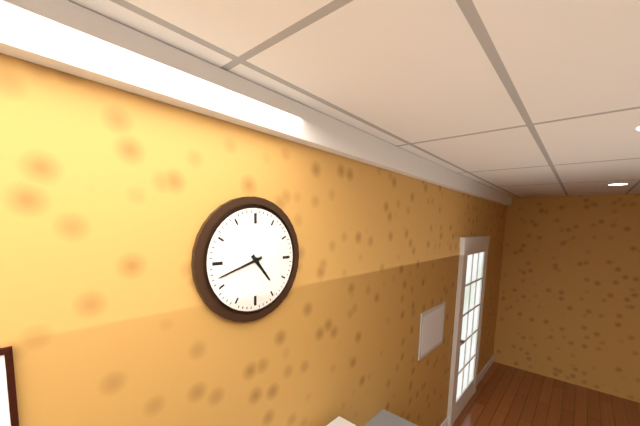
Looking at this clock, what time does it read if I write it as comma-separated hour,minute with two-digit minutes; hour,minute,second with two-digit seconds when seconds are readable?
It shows 4,42
